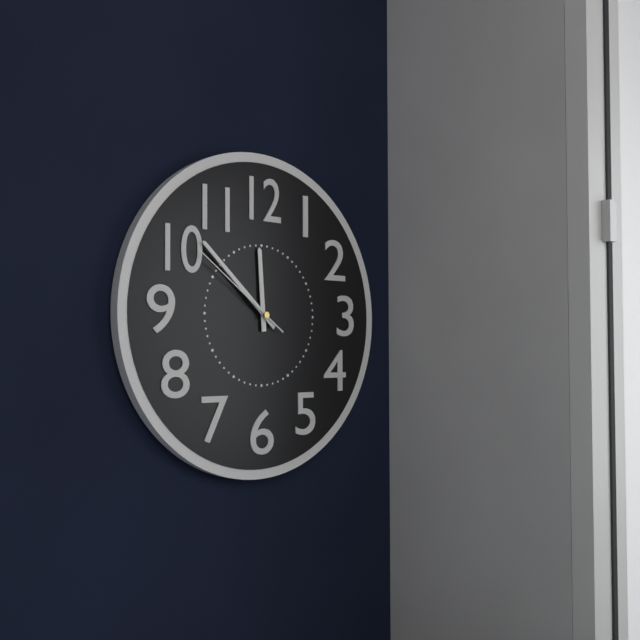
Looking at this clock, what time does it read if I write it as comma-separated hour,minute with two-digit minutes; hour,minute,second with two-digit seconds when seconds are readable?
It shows 11,52,51
